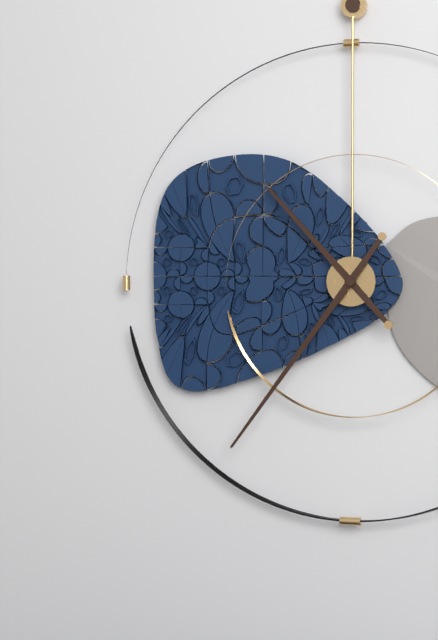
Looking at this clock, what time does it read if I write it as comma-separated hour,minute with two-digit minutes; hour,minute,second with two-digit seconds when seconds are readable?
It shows 10,36
